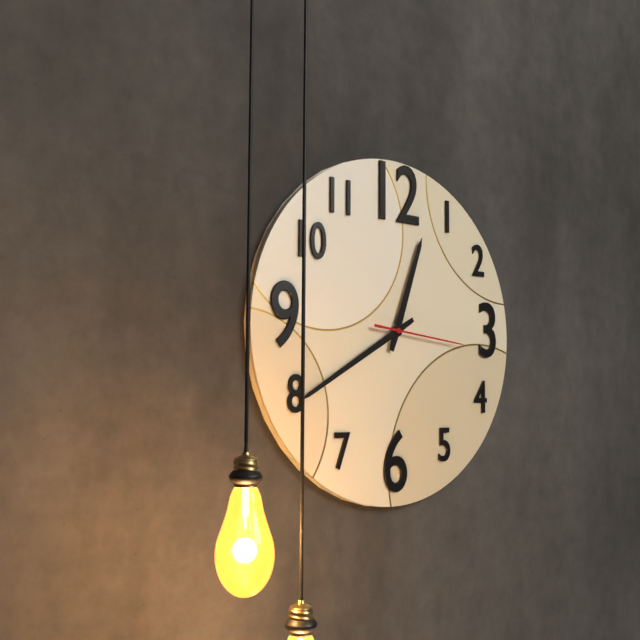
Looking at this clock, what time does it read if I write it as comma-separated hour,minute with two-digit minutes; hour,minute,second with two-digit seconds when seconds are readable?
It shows 12,40,16
